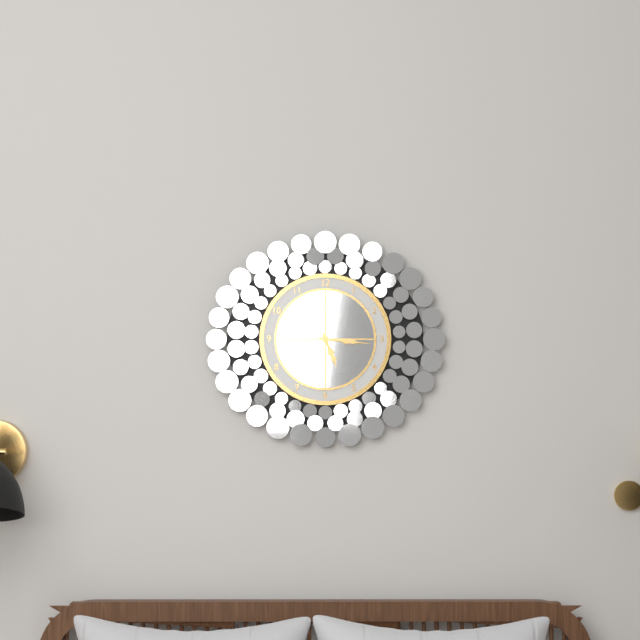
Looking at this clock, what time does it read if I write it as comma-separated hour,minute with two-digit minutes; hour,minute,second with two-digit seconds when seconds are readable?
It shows 5,16,37
